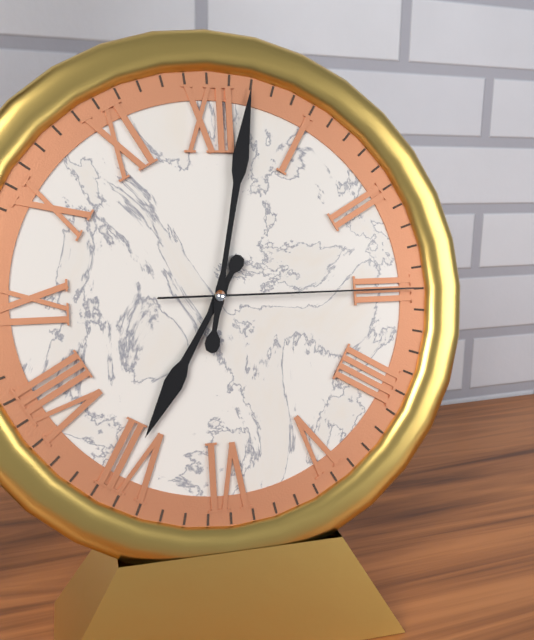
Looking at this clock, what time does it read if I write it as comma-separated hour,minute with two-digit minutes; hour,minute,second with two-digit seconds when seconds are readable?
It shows 7,02,15
